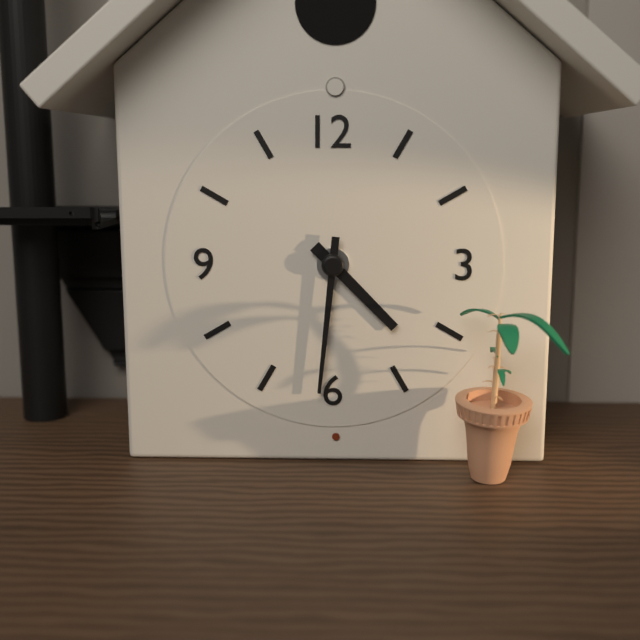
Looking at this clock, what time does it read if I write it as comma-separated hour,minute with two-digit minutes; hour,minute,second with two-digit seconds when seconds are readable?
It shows 4,31
